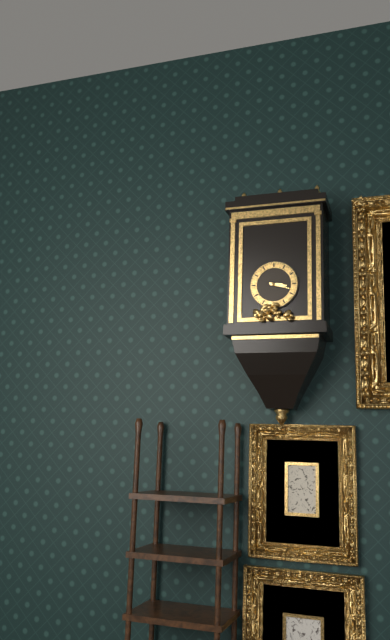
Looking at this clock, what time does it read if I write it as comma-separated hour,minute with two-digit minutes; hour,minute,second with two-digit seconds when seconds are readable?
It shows 3,18
